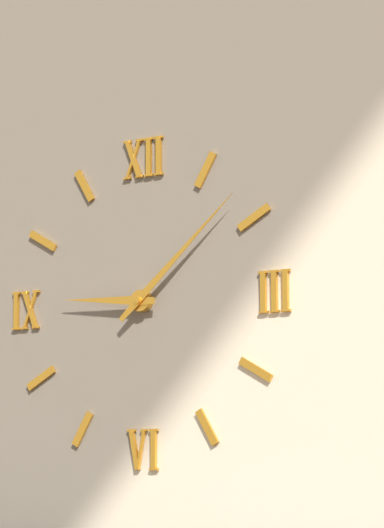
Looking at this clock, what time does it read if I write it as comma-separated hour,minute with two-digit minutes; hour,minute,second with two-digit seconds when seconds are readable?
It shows 9,08
